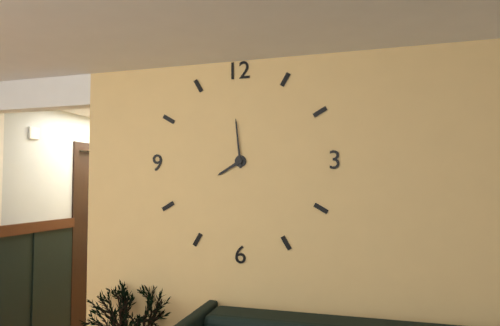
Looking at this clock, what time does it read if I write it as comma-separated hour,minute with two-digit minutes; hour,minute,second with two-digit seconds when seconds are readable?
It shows 7,59
